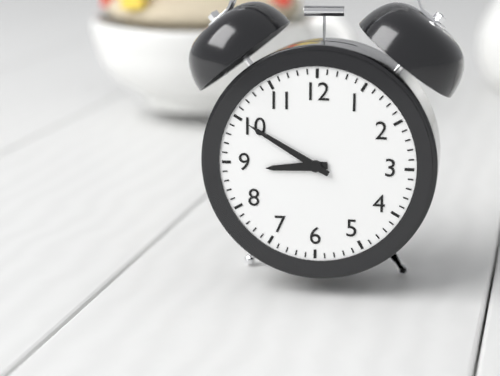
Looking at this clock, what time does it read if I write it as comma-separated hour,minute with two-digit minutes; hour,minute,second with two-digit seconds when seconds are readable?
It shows 8,50
